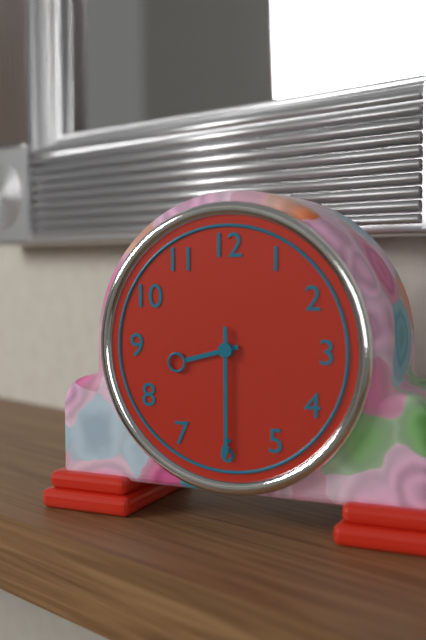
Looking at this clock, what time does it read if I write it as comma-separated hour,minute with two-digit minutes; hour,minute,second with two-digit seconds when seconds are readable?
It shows 8,30
